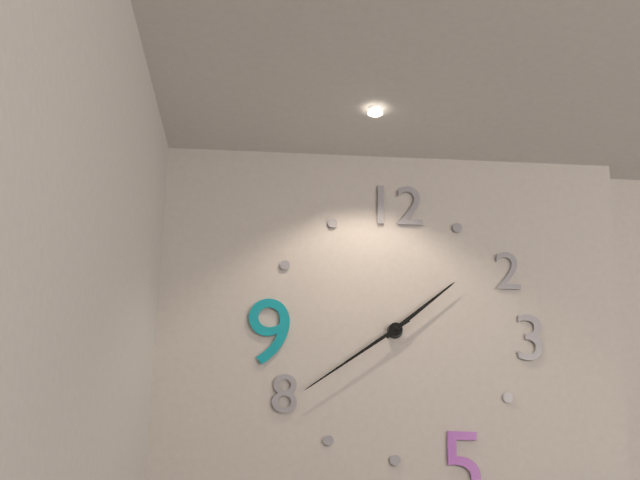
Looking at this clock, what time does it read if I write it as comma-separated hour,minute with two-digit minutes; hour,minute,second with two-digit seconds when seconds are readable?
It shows 1,39
